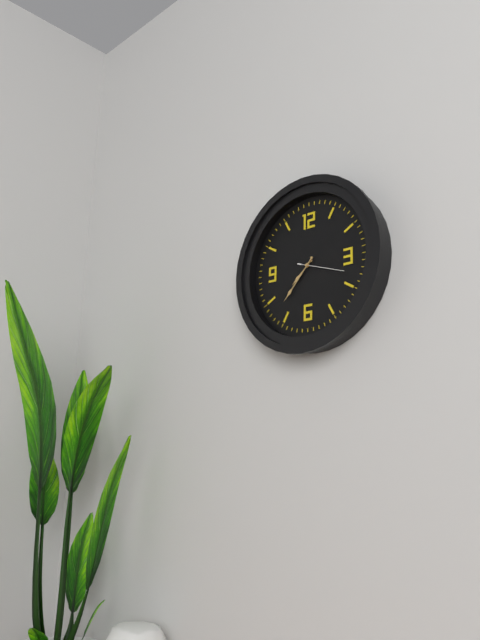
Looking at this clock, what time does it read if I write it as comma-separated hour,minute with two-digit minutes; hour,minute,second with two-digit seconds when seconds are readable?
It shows 7,37
